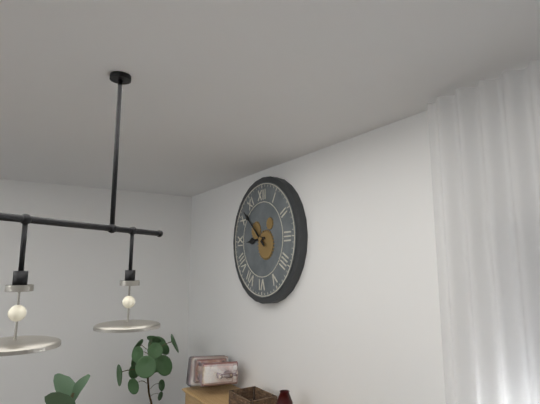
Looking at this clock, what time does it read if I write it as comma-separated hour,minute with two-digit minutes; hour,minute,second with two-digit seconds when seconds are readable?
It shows 8,52
